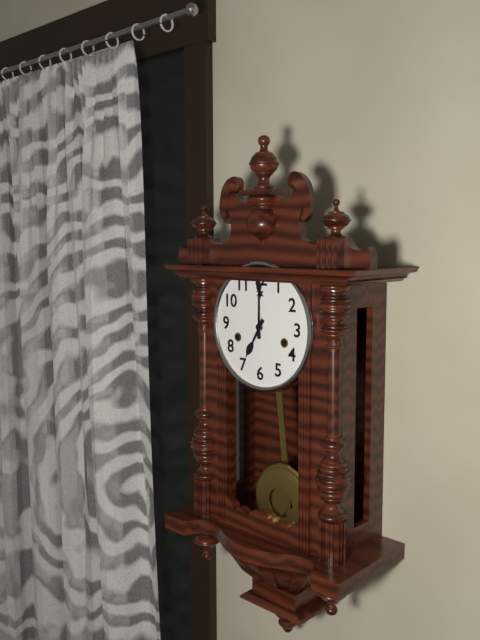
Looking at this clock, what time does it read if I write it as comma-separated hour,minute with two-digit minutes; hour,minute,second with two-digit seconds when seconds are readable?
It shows 7,00
